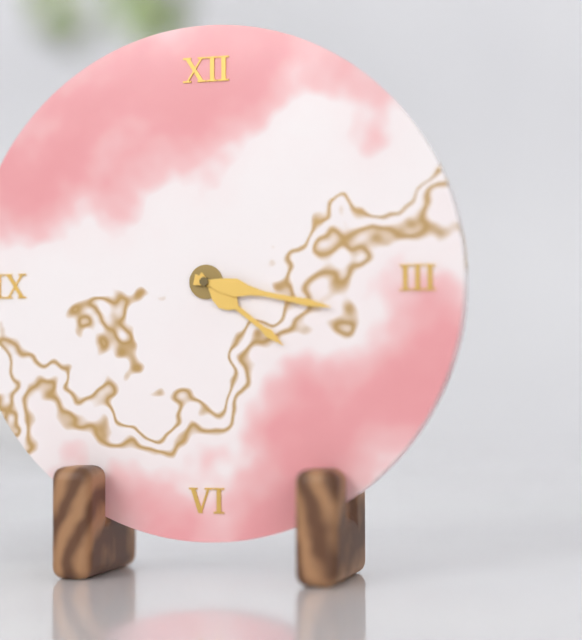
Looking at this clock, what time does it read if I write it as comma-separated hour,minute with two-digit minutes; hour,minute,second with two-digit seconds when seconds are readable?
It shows 4,17
